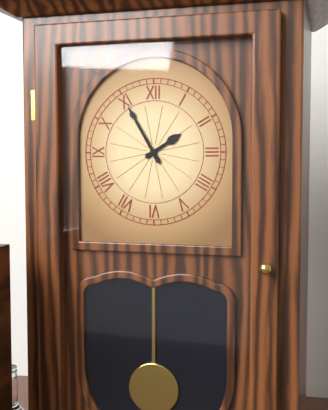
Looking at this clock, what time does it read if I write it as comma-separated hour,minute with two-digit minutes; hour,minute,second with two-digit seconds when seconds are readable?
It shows 1,55
